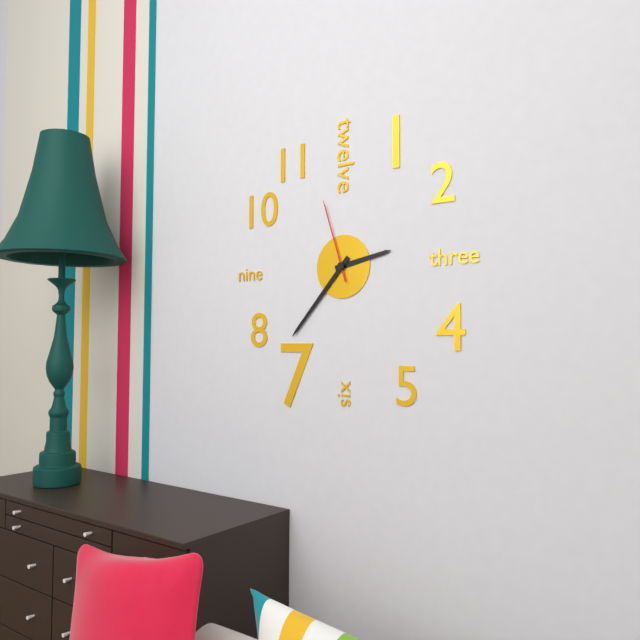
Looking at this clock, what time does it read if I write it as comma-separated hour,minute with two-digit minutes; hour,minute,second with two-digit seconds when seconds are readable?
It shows 2,37,57
